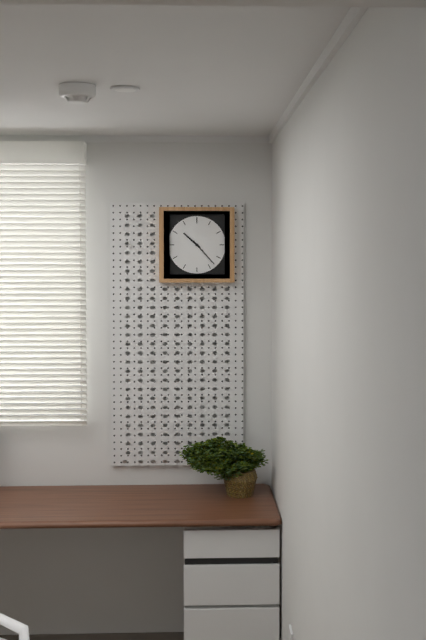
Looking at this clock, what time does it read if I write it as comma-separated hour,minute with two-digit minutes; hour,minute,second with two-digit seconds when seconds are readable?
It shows 10,23
